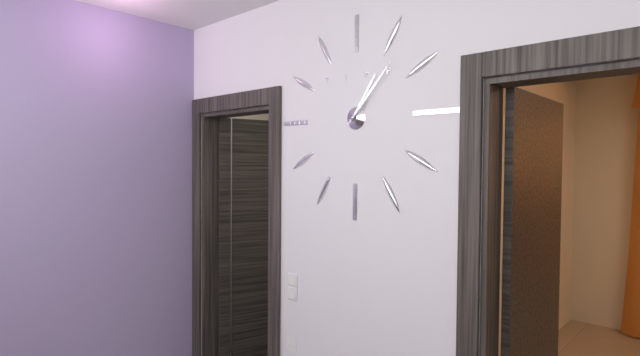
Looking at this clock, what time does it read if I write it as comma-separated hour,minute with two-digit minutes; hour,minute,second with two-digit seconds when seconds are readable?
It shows 1,07
